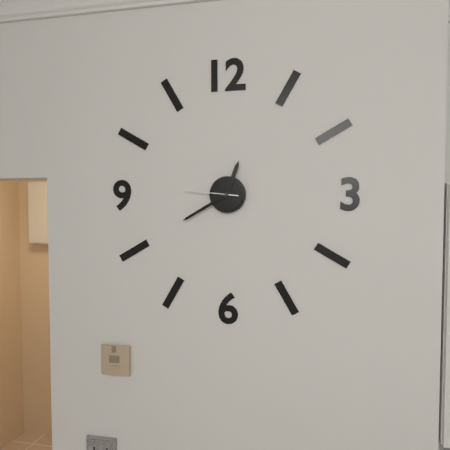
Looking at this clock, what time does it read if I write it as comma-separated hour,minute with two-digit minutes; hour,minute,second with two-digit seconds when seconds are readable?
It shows 12,40,46
